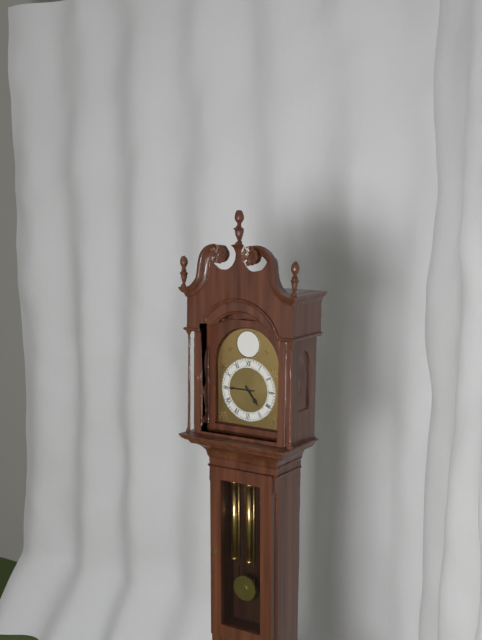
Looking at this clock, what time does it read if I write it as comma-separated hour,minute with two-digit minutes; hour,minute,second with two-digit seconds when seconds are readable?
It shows 4,45
